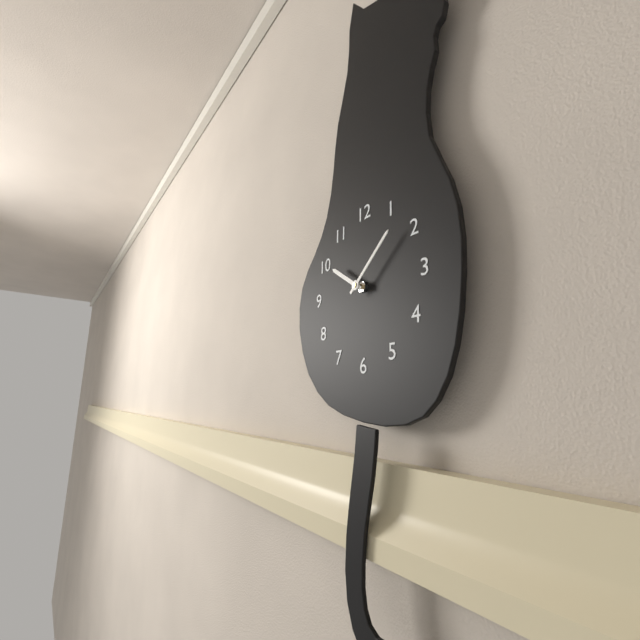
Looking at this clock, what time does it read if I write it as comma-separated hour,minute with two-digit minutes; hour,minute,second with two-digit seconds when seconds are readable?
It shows 10,08
